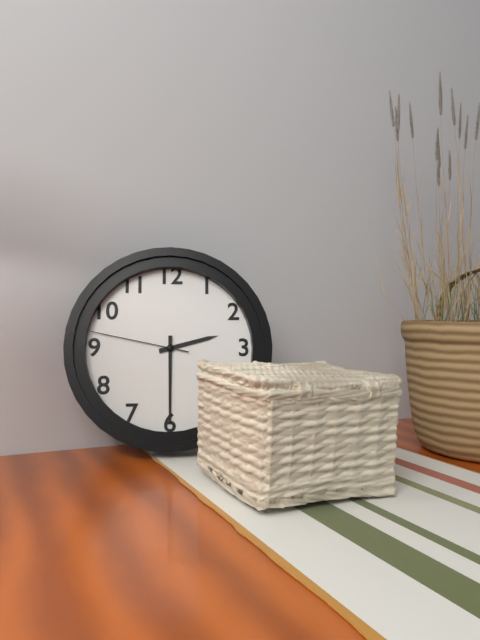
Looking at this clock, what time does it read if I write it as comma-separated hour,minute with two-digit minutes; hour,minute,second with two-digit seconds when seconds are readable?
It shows 2,30,47
